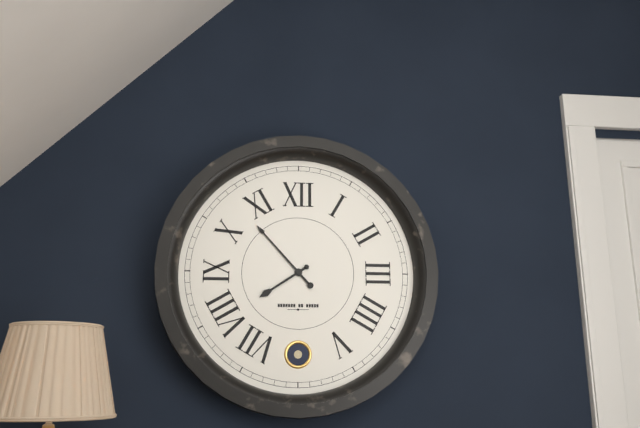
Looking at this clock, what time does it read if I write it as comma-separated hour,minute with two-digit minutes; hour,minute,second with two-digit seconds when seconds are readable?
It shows 7,53
